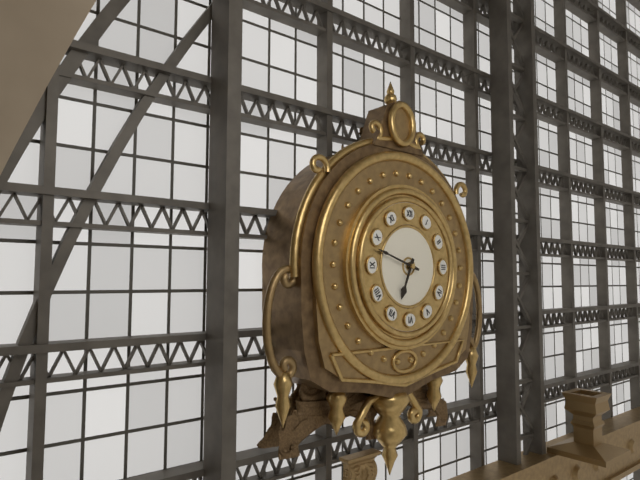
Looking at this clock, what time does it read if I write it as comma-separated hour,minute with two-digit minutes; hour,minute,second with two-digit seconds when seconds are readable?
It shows 6,48
